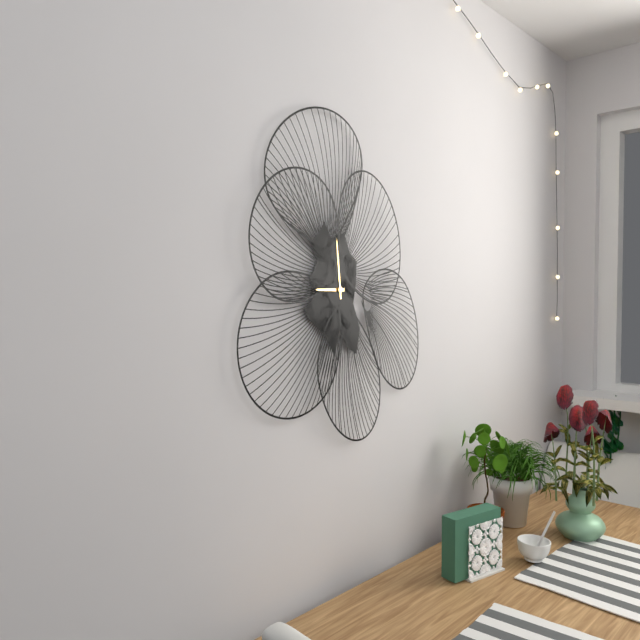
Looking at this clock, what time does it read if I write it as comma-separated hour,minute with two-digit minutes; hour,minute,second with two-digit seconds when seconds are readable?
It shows 8,59
